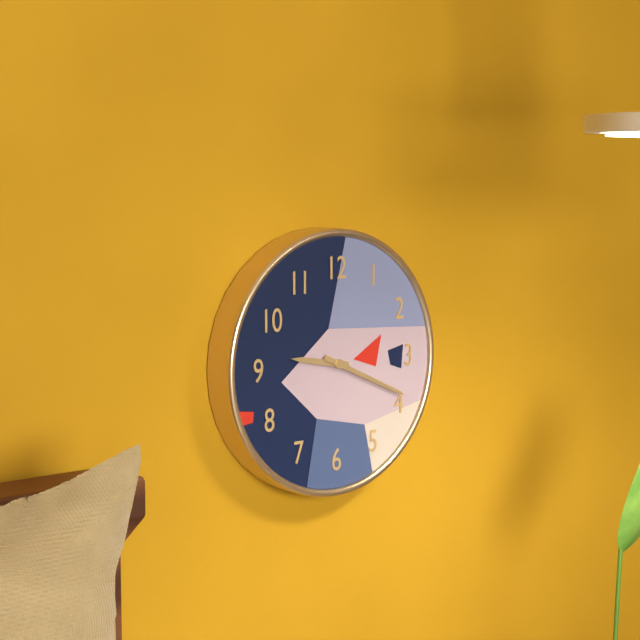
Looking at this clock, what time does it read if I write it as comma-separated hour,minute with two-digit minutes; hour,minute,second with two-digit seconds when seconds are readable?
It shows 9,19
